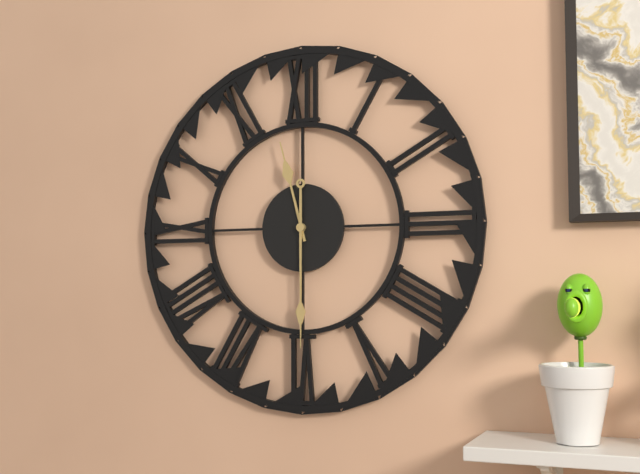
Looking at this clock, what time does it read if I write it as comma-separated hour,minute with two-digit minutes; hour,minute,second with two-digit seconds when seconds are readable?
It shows 11,30
